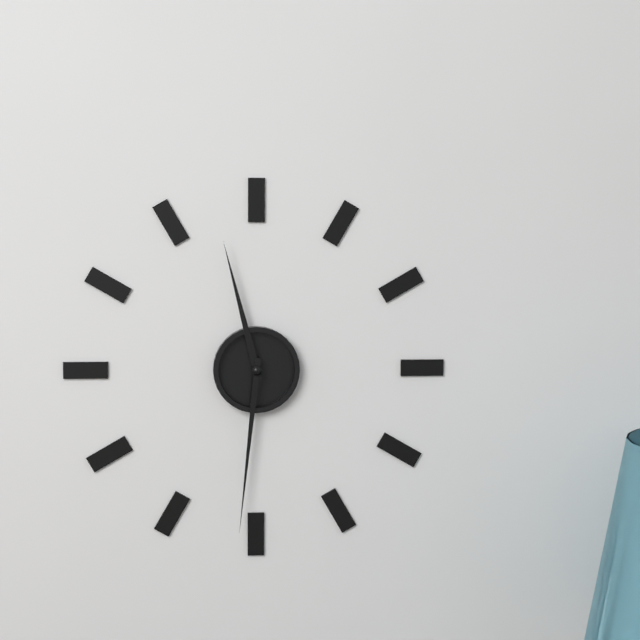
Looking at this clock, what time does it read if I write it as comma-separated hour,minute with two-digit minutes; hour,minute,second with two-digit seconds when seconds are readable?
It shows 11,31
